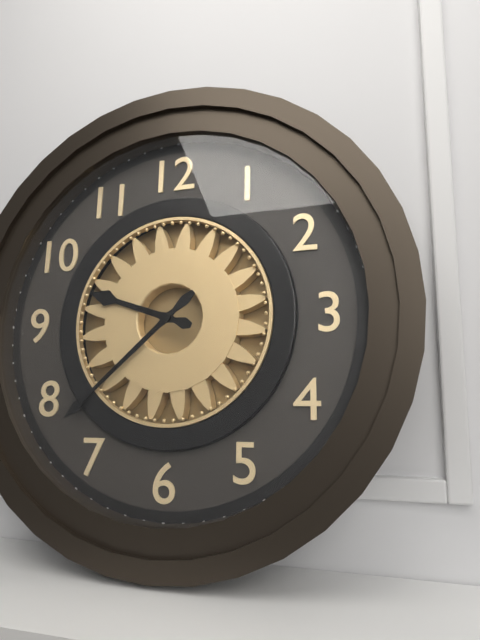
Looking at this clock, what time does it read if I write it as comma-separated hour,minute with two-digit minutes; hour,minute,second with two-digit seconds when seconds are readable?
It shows 9,38
